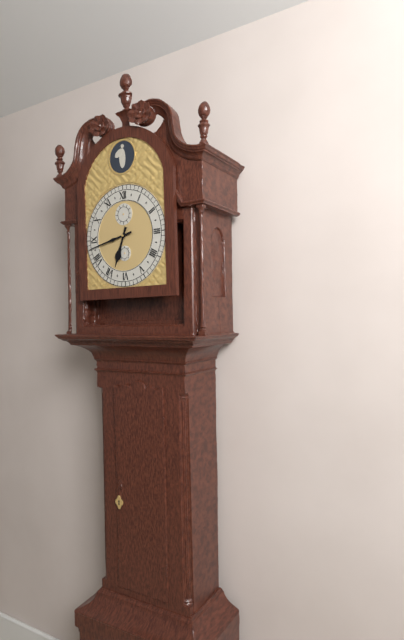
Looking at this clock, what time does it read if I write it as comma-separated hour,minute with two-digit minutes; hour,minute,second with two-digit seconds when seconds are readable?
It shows 6,43
